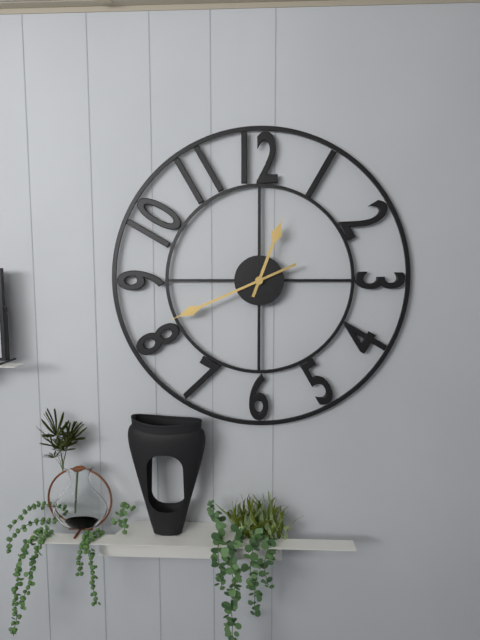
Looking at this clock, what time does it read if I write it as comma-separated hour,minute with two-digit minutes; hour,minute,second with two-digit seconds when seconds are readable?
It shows 12,41
